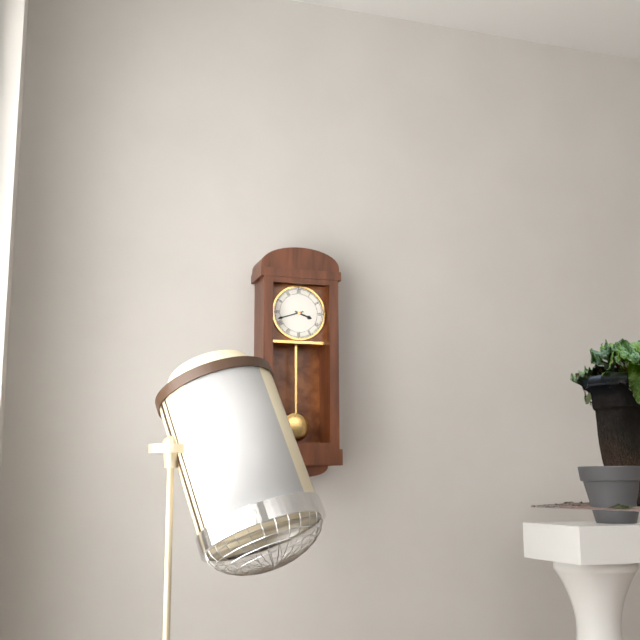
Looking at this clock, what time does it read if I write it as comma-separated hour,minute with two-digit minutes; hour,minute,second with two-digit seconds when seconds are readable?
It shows 3,42
